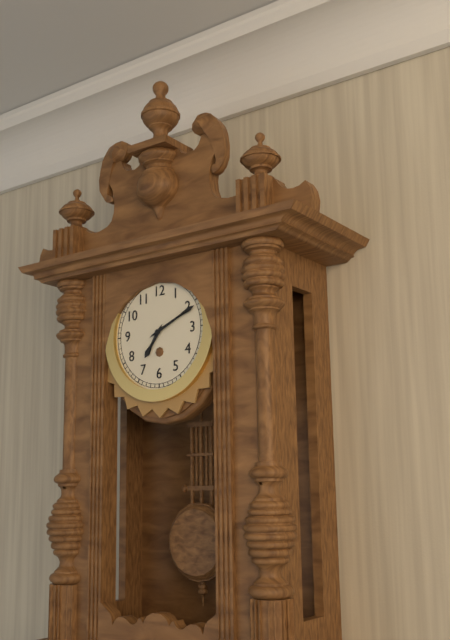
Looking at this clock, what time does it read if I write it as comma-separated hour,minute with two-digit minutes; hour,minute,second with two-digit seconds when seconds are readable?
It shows 7,11
